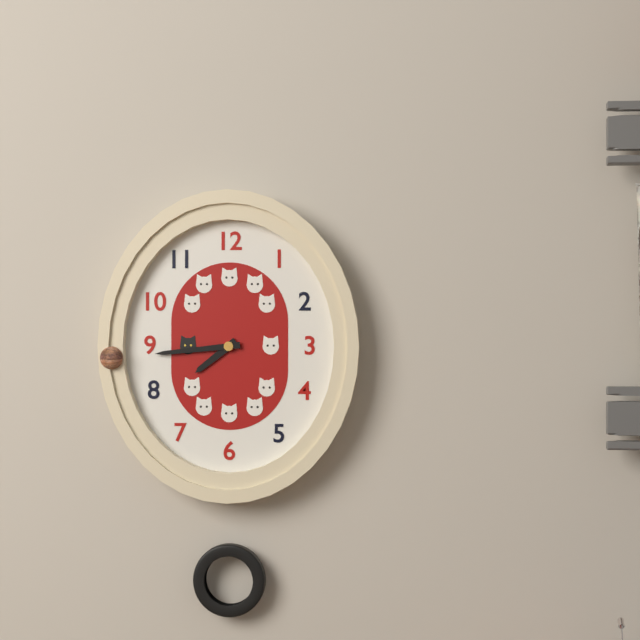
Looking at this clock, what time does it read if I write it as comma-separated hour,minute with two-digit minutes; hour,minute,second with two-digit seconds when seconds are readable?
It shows 7,44
